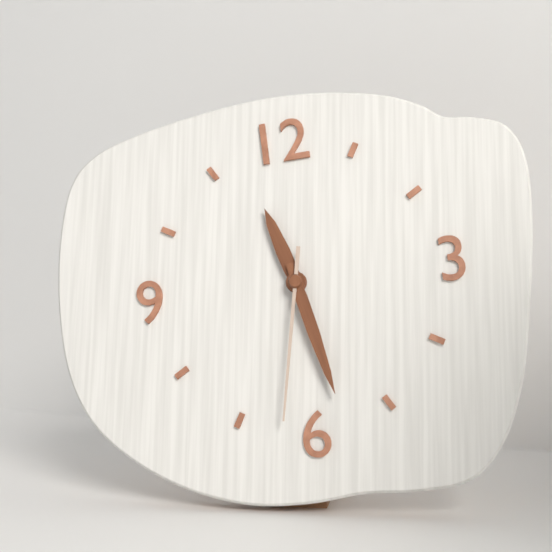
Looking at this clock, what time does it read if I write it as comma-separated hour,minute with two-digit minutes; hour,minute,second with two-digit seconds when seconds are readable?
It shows 11,28,32
